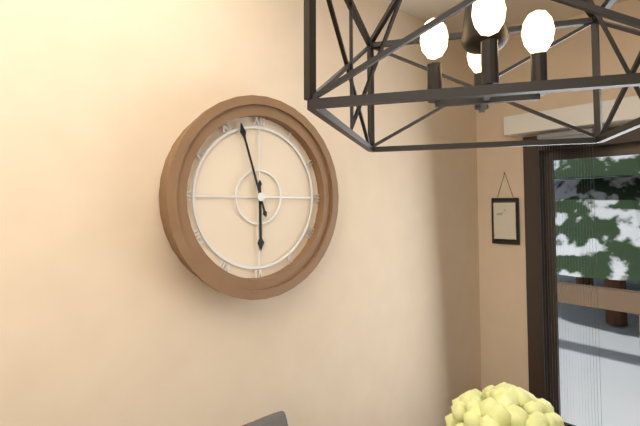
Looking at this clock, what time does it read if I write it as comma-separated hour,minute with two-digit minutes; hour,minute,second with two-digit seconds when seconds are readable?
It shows 5,57
